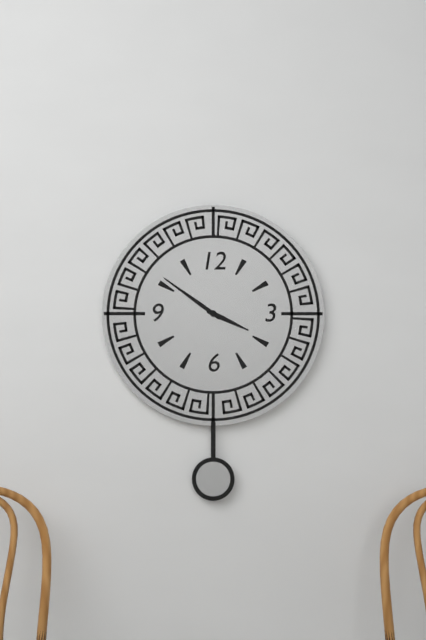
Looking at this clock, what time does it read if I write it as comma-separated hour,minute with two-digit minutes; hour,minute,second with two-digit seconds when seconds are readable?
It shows 3,51
